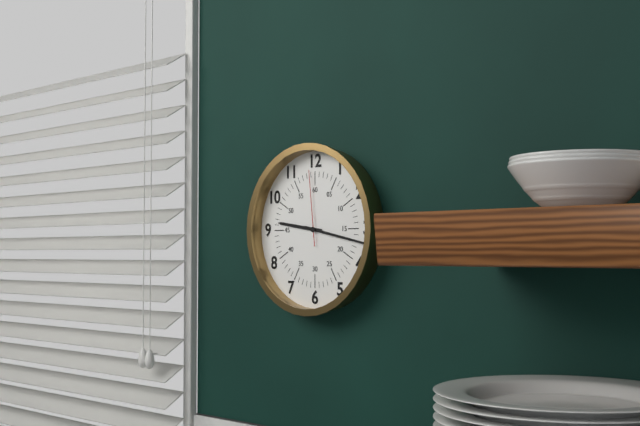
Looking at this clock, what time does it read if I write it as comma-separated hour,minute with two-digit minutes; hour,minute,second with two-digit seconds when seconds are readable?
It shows 9,17,59
